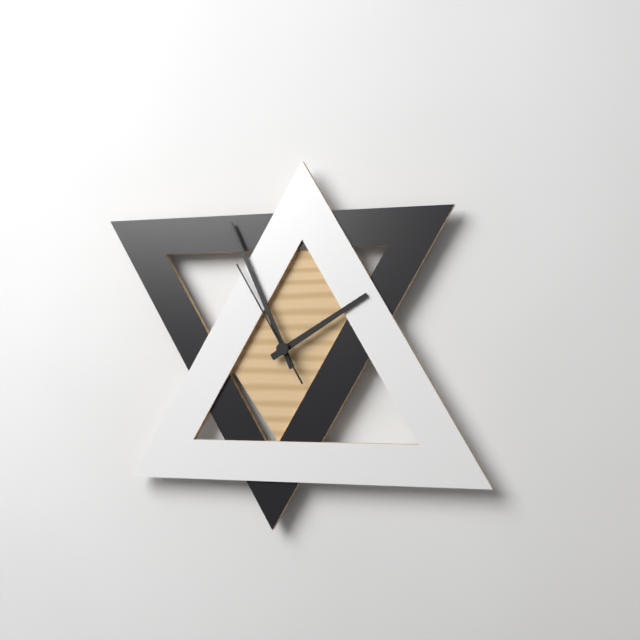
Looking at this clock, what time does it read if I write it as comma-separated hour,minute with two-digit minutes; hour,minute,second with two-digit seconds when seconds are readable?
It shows 1,56,55
